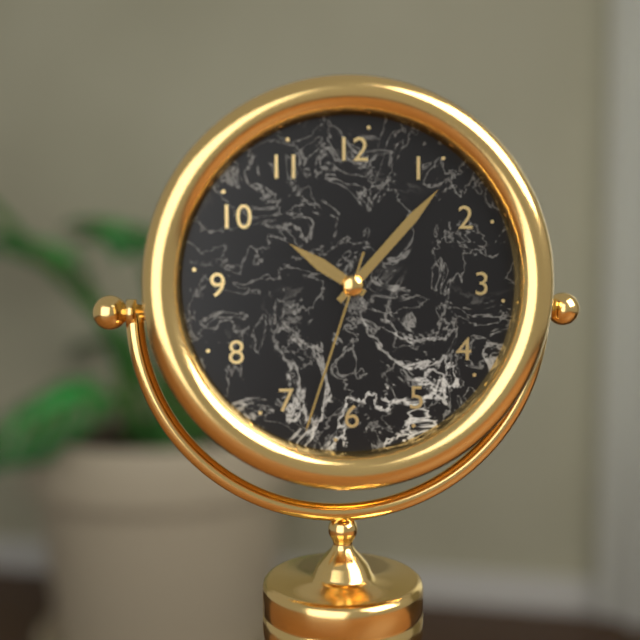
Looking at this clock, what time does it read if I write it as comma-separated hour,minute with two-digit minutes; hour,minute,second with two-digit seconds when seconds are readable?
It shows 10,07,33
